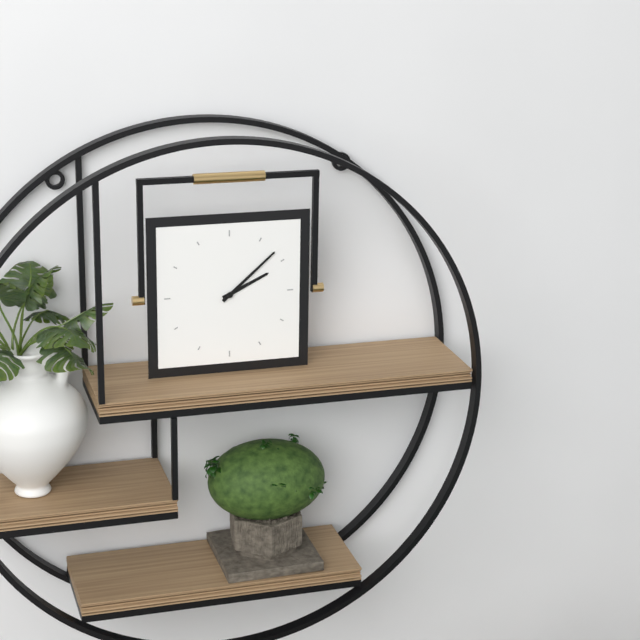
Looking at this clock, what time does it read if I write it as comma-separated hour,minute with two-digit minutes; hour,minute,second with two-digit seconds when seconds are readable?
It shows 2,08
